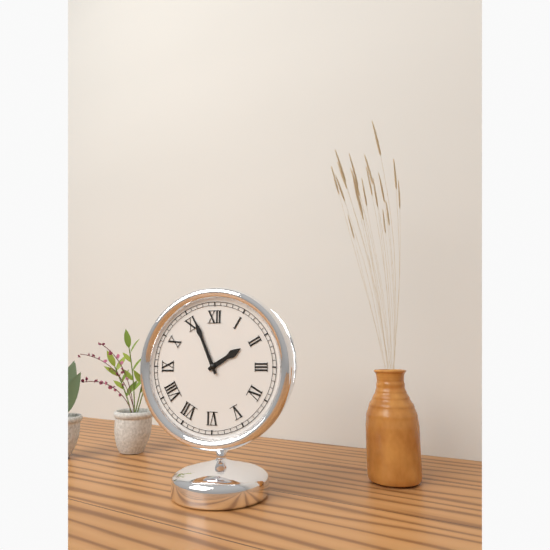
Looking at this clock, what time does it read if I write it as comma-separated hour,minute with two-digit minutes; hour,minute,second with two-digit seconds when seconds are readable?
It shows 1,56
